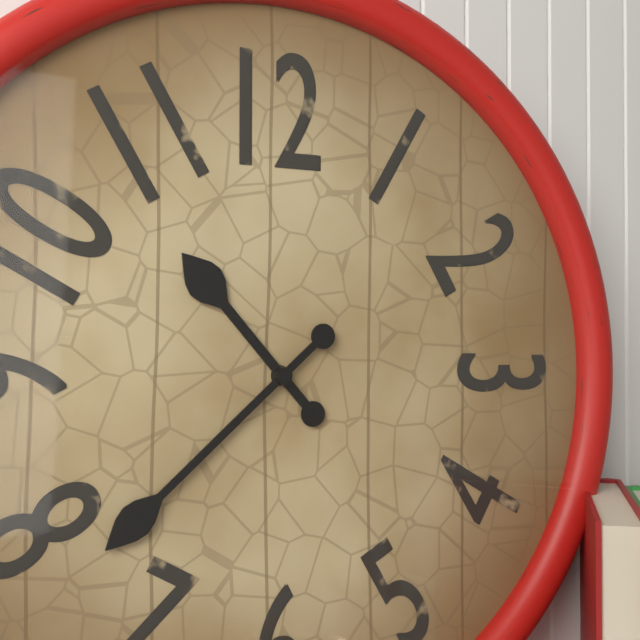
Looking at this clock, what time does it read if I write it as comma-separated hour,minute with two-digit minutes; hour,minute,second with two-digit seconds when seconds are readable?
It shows 10,38
